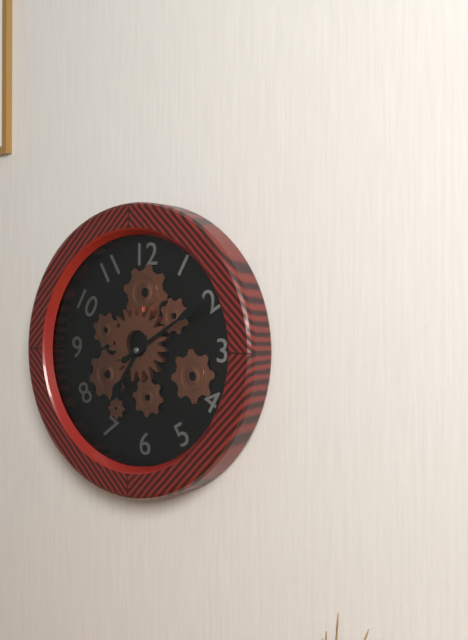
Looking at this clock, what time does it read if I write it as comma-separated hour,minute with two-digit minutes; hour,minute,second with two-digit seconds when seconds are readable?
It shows 7,10
